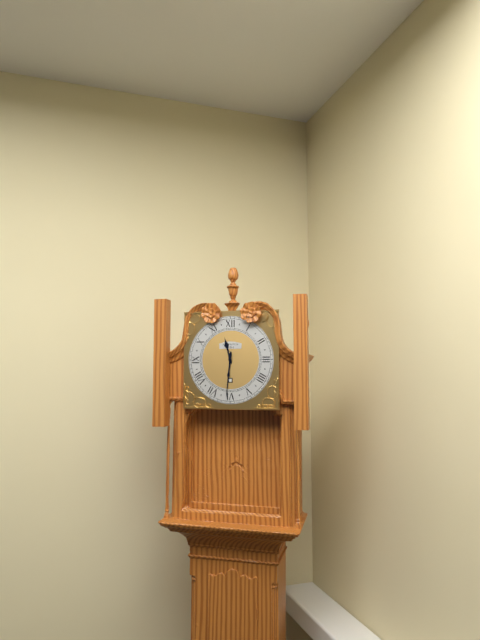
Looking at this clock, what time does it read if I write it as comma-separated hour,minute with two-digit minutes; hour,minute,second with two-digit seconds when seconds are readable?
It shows 11,31
